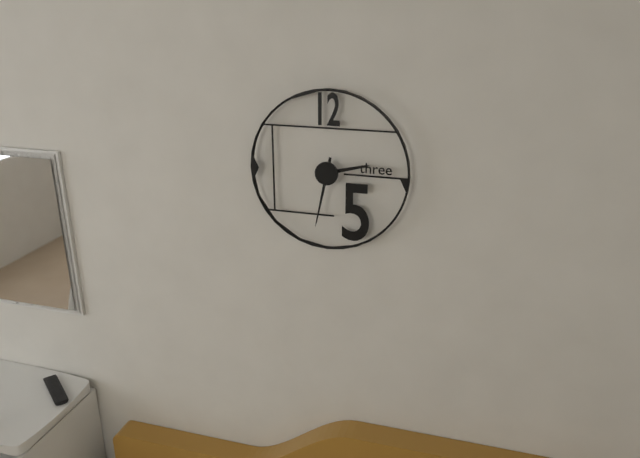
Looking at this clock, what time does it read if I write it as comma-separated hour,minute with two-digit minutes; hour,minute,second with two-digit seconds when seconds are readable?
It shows 2,32
